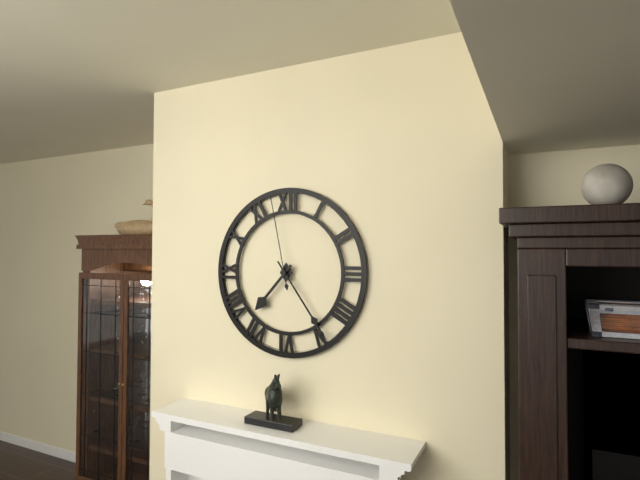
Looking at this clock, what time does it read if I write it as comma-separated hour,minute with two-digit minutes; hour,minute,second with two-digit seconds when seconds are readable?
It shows 7,24,58
